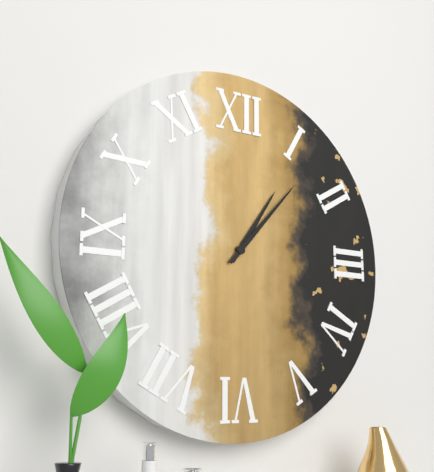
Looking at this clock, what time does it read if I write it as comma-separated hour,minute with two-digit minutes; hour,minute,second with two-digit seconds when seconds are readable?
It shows 1,07
